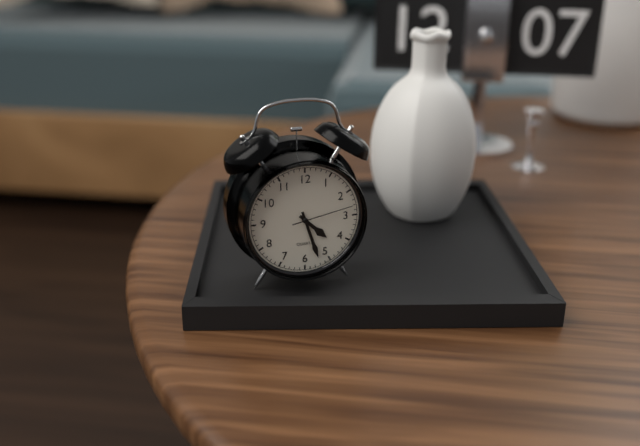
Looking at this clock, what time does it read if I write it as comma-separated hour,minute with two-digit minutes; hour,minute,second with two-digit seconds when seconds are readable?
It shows 4,27,13
